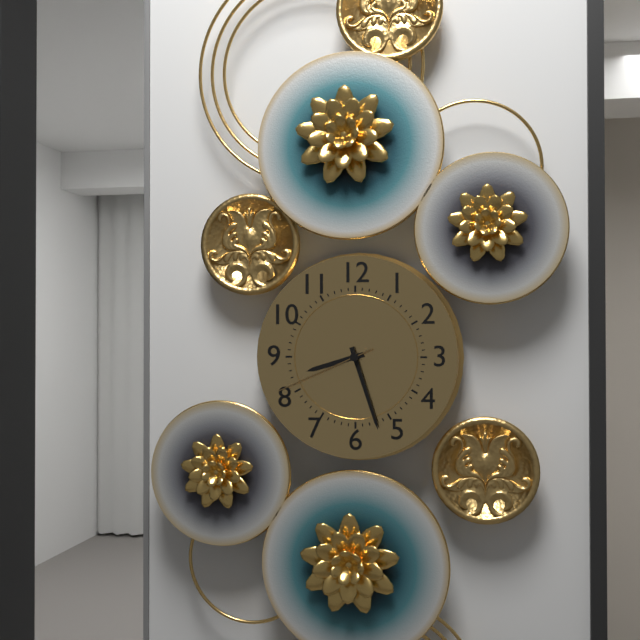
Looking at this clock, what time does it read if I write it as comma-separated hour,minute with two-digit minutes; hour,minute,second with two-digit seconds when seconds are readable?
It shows 8,27,41
